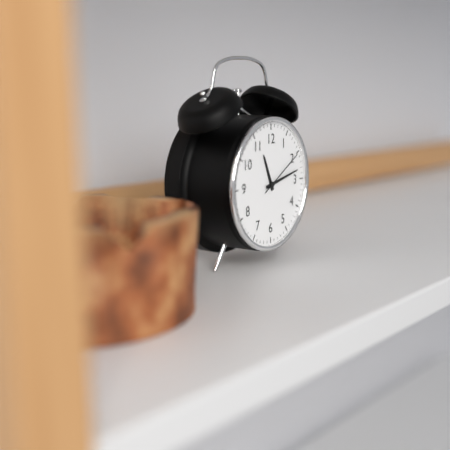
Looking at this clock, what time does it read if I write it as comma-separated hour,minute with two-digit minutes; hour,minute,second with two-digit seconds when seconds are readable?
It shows 11,13,10
